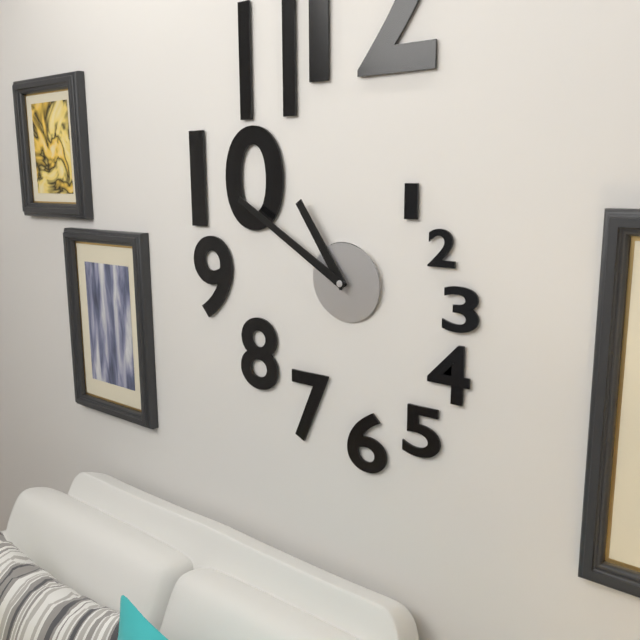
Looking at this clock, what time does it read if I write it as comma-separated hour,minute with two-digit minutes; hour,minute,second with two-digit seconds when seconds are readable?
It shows 10,50
